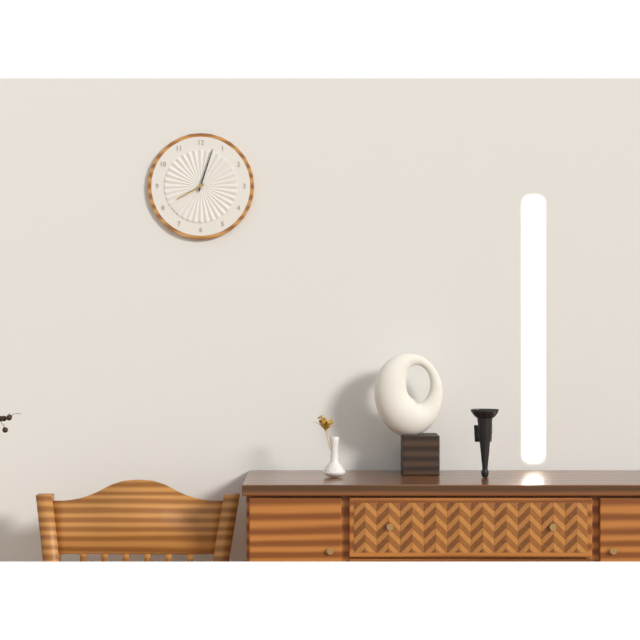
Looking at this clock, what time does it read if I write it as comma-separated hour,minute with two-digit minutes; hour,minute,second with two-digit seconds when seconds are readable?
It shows 8,03
